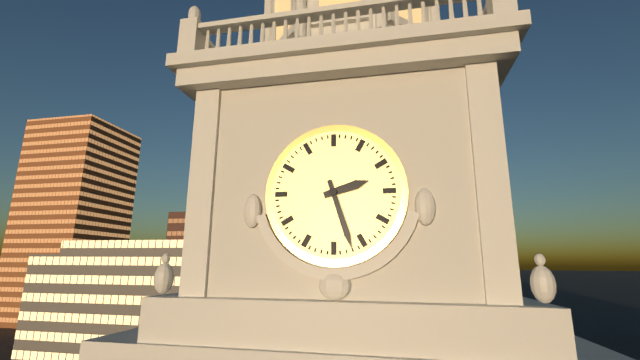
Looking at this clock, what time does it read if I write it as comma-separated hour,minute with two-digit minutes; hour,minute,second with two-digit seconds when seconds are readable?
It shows 2,27
